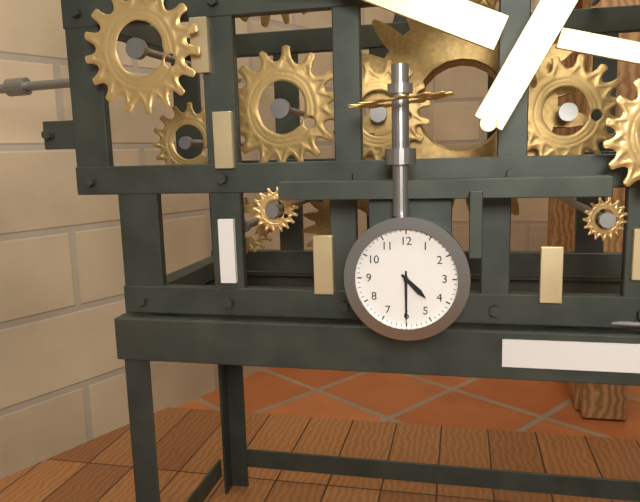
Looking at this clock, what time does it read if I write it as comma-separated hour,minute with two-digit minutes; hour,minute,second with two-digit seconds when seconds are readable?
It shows 4,30
